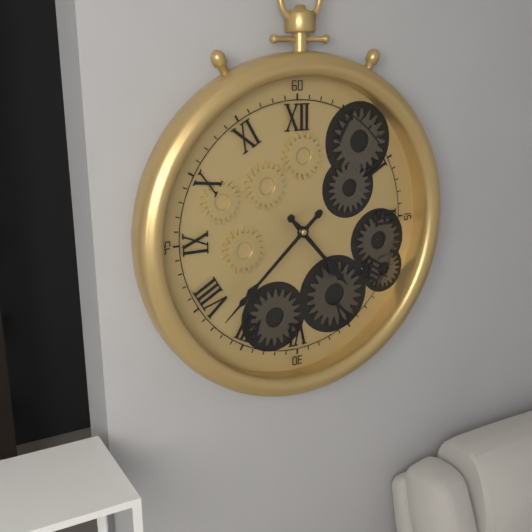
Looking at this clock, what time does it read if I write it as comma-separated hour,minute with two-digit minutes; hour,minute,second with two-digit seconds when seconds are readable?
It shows 4,38
